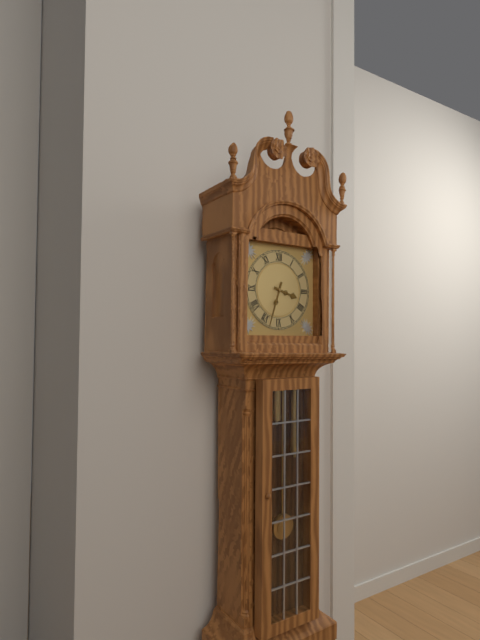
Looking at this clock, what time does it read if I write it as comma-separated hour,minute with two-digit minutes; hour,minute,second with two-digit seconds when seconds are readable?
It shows 3,33
